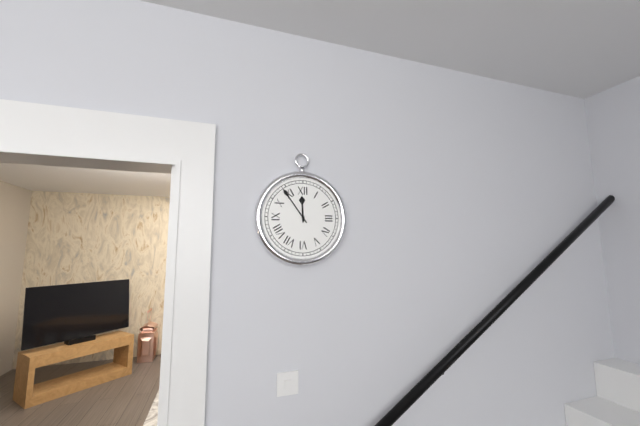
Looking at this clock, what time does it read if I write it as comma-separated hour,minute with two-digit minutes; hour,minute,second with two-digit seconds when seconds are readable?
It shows 11,54
